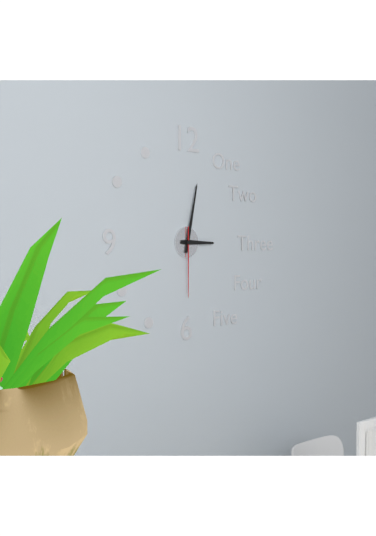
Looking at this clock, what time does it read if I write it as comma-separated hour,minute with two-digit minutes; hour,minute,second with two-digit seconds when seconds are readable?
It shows 3,02,30
